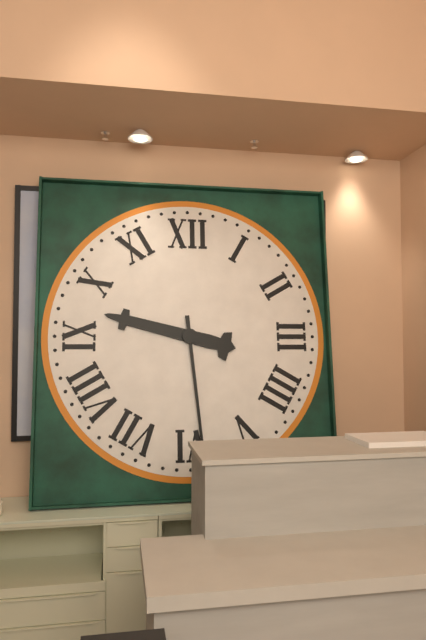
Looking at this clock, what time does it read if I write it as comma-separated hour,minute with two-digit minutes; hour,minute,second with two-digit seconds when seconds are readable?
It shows 9,29
